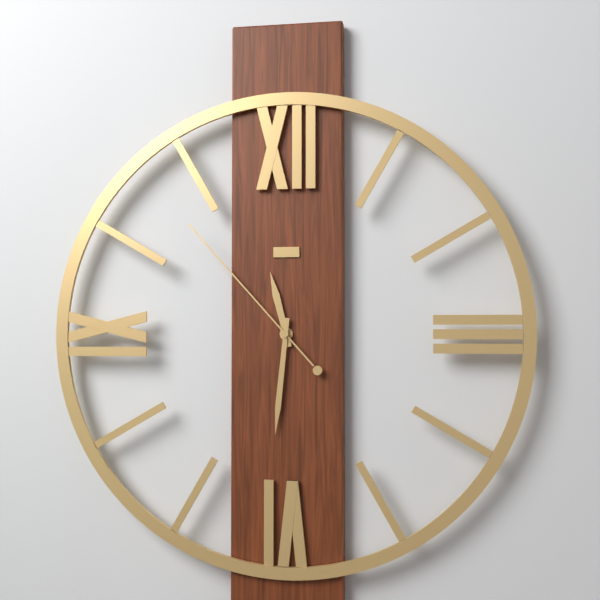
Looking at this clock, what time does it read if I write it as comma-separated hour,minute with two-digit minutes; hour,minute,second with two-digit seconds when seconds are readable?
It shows 11,31,53
